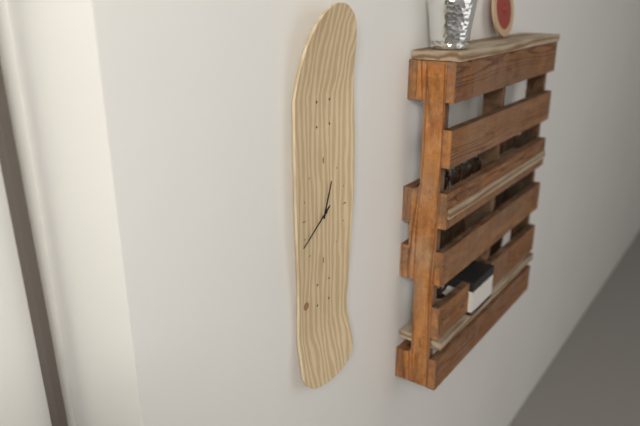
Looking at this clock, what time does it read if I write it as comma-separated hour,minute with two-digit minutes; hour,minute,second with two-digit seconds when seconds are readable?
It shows 12,39
